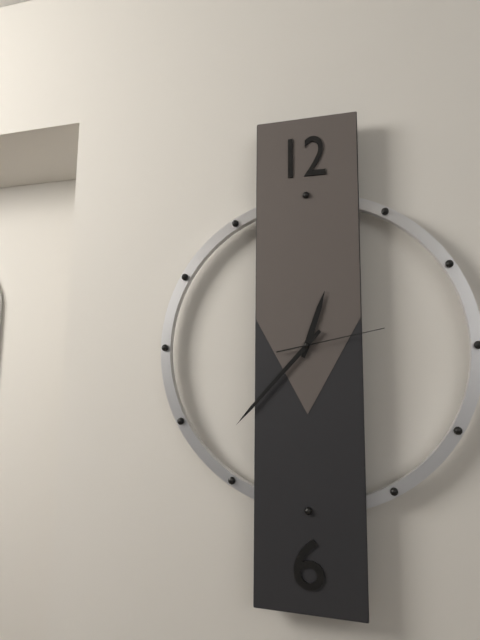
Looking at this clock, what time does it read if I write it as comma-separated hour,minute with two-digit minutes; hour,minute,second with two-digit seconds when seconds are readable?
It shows 12,37,13
